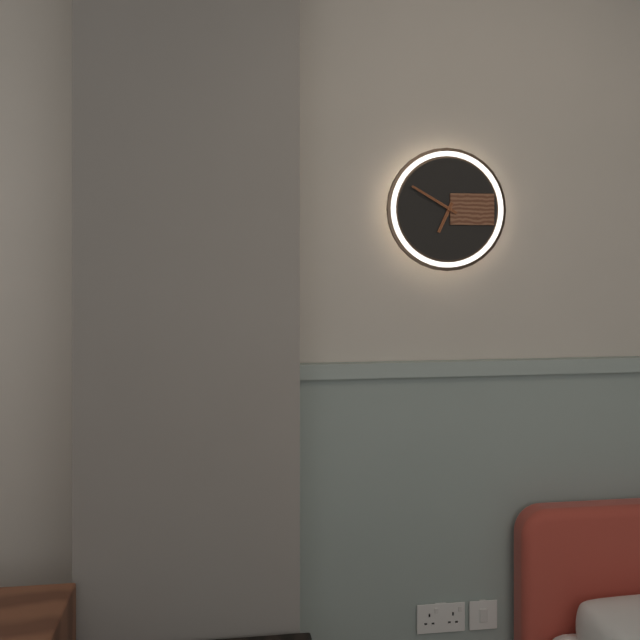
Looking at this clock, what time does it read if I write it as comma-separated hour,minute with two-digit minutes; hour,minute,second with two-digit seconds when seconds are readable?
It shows 6,50
